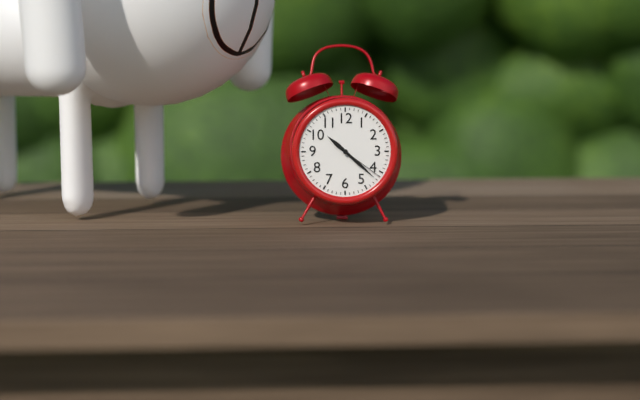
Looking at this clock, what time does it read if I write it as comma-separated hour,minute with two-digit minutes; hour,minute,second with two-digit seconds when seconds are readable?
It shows 10,22,21
